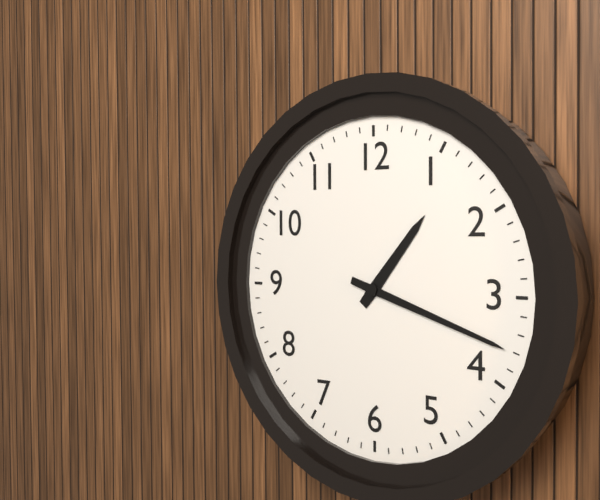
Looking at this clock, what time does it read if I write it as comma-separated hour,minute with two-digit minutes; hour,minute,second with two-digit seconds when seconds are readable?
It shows 1,18
